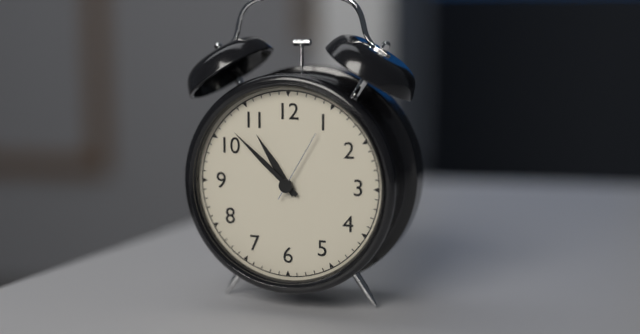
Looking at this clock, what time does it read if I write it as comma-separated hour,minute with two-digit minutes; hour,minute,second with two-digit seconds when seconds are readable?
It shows 10,52,05
